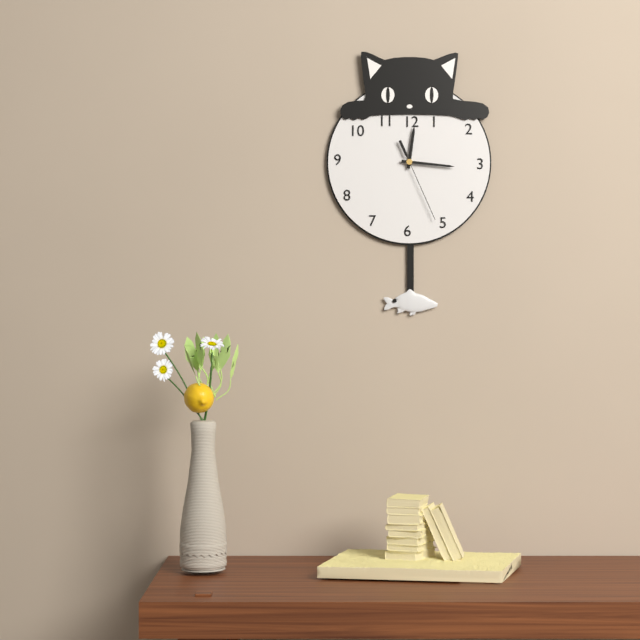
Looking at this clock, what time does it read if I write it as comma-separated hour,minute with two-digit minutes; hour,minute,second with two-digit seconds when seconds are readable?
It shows 12,16,26
